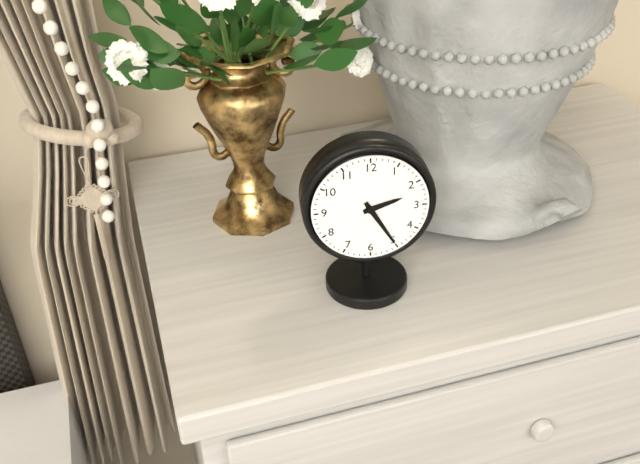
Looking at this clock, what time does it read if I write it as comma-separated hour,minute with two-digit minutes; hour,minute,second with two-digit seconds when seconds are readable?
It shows 2,25
